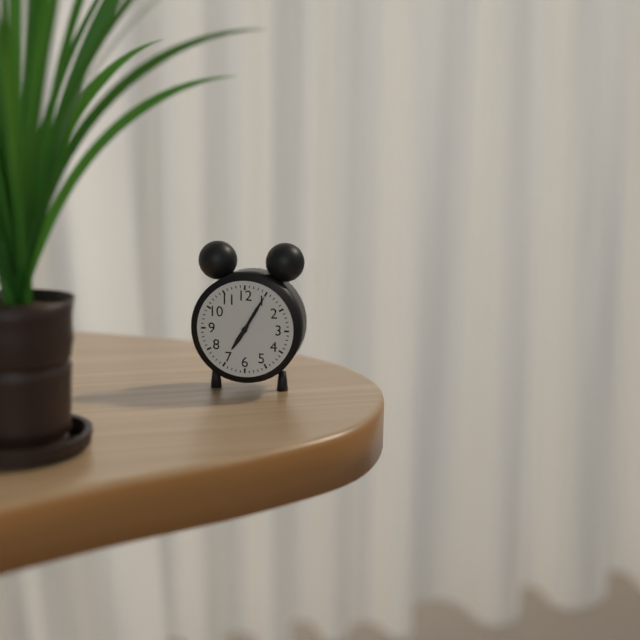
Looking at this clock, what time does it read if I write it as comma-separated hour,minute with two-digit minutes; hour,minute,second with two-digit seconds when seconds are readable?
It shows 7,05
